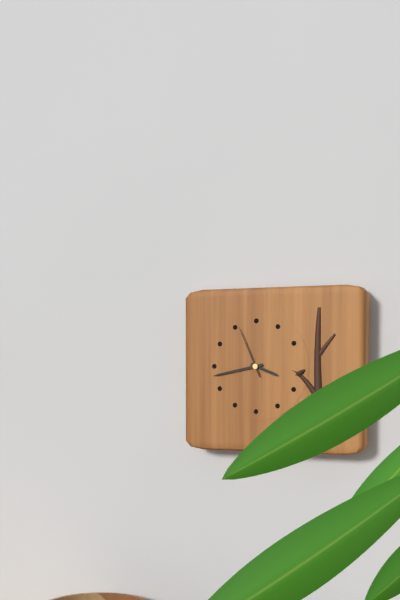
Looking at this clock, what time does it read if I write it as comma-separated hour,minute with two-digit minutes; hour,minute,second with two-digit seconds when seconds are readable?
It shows 3,43,56
